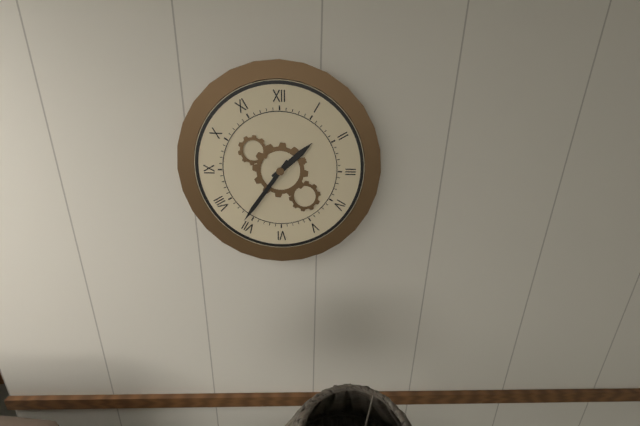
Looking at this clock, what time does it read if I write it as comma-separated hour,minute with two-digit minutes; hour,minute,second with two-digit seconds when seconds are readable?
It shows 1,36
